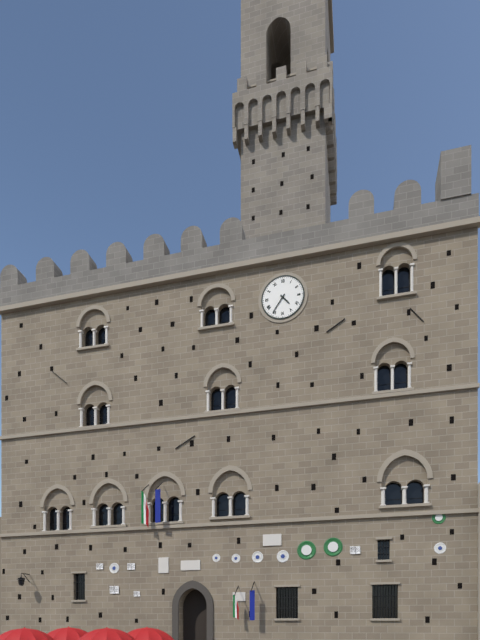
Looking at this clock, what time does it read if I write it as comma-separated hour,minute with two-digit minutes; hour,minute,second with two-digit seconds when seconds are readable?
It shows 4,36
